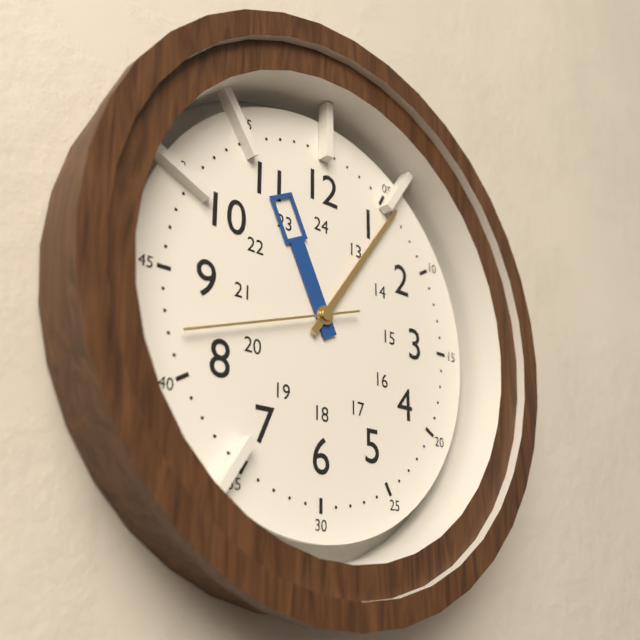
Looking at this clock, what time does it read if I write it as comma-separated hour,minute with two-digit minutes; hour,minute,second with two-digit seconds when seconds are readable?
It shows 11,06,42
